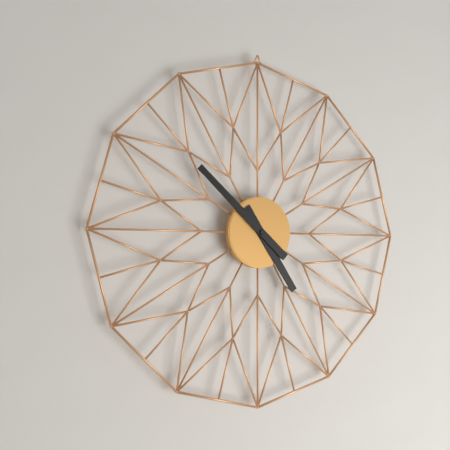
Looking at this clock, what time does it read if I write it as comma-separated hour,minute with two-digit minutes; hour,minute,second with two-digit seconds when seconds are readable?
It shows 4,52
